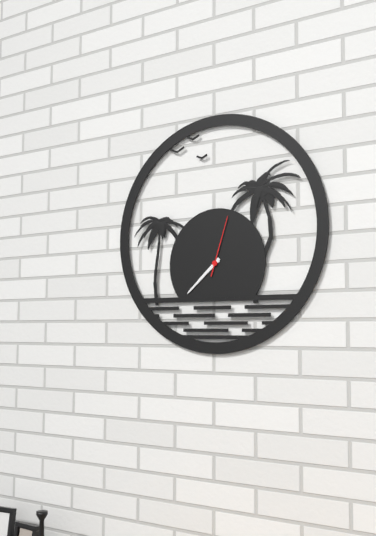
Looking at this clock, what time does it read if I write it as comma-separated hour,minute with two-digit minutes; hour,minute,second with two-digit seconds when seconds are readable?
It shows 7,38,03
